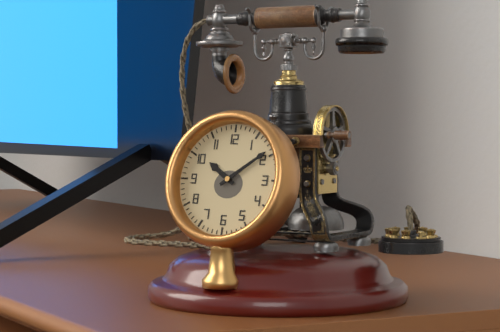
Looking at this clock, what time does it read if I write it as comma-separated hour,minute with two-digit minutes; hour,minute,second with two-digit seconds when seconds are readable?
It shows 10,09
